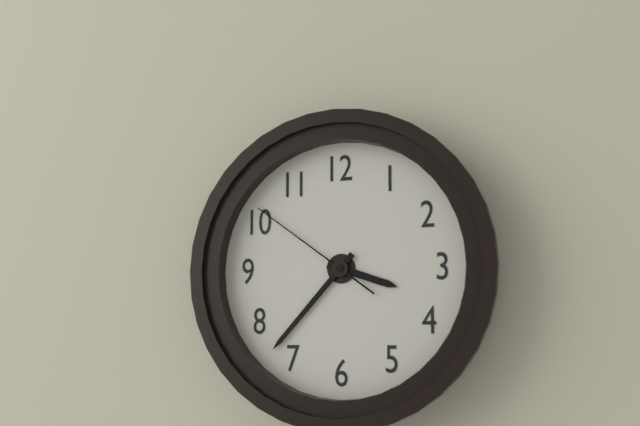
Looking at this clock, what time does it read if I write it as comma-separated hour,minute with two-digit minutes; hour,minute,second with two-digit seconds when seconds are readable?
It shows 3,37,51
